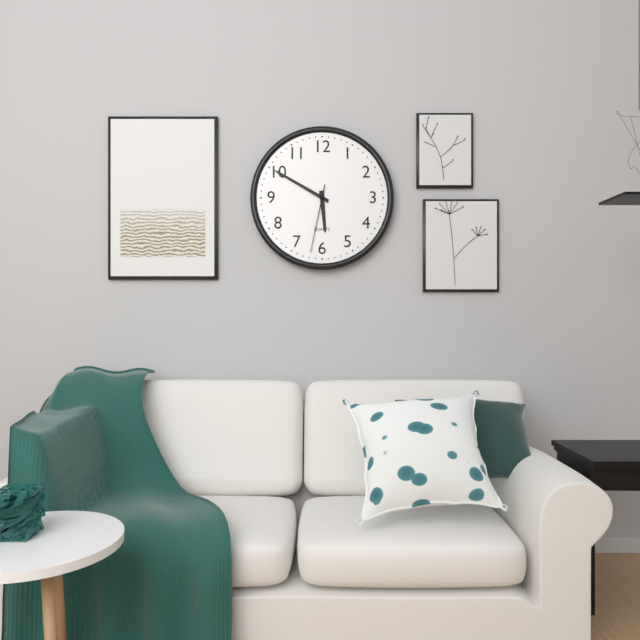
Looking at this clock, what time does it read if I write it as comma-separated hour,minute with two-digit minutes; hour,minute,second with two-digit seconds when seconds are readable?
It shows 5,50,32
